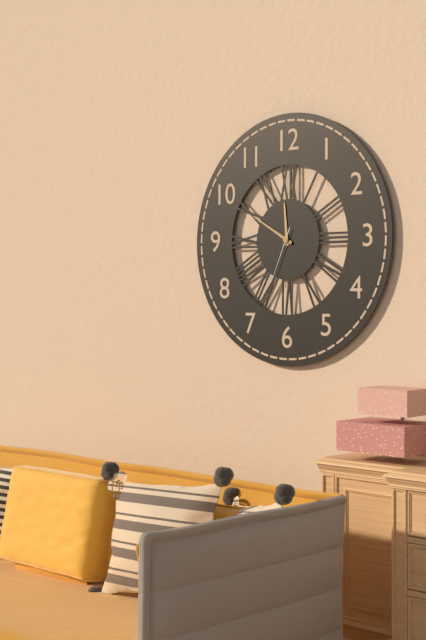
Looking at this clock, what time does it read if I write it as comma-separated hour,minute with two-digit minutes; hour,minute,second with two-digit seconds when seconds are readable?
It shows 11,50,34
